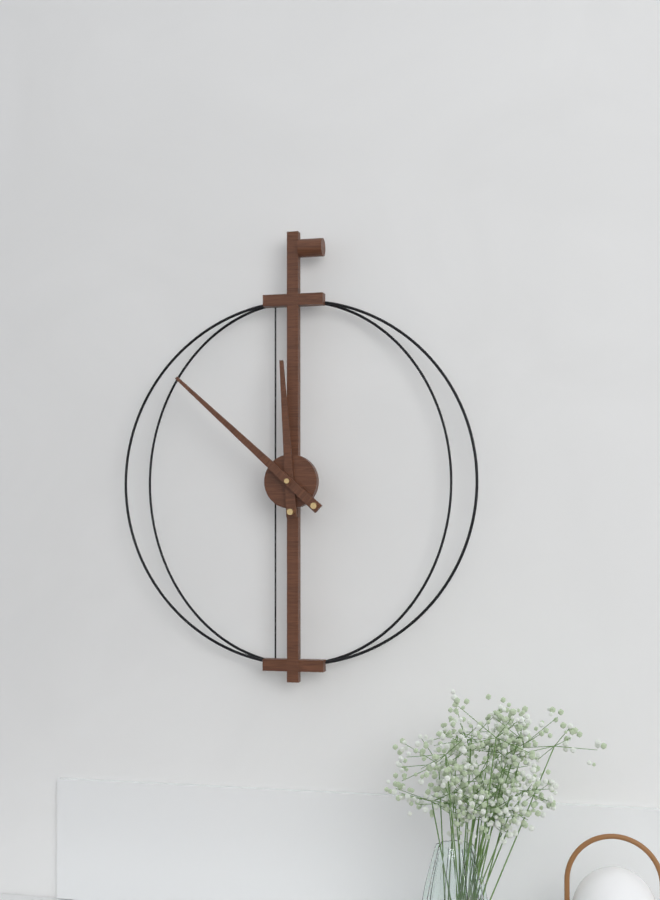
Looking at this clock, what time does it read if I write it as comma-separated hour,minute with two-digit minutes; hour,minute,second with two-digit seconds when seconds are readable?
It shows 11,52
